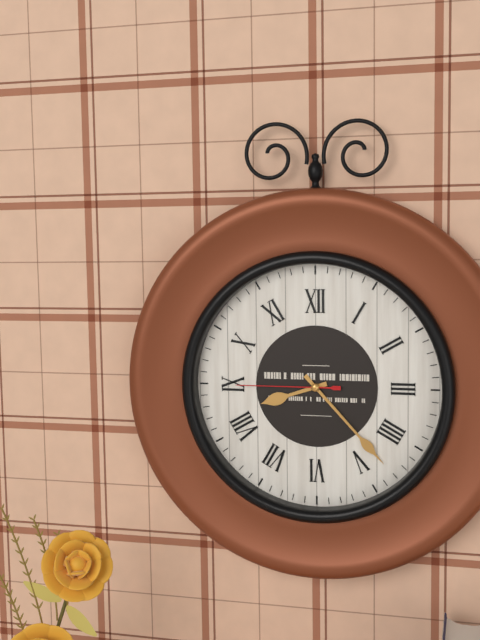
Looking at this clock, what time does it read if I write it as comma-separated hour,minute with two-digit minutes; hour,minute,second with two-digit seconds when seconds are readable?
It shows 8,23,45
